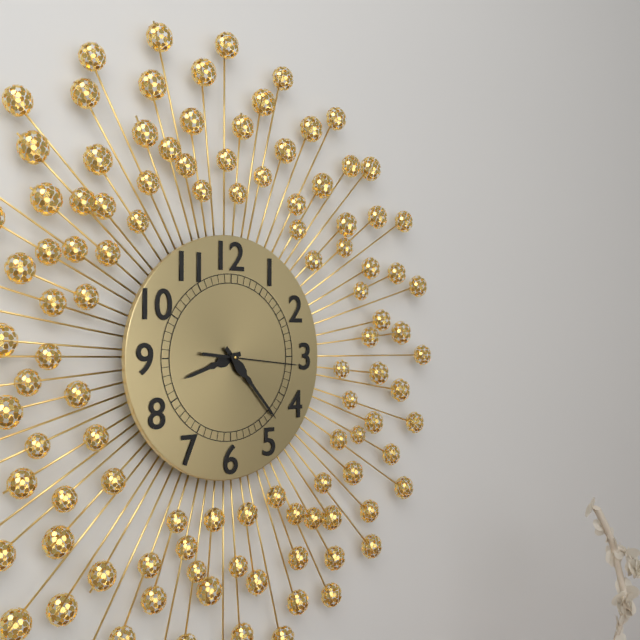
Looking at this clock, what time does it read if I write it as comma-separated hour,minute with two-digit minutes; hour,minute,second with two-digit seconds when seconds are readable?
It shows 8,23,16
